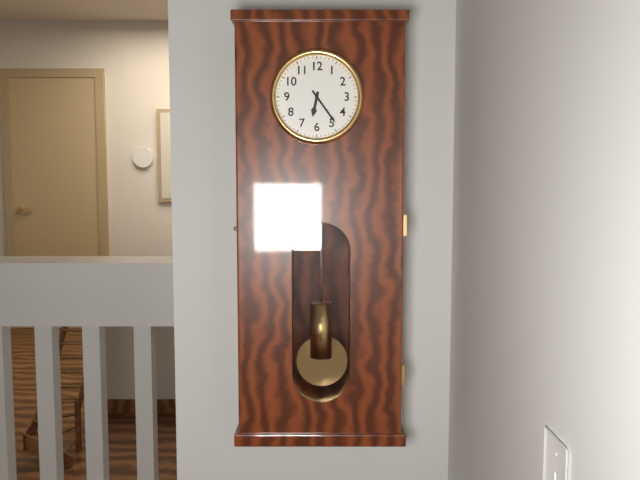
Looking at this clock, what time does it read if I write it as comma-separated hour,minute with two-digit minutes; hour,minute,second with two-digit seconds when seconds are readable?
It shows 6,24
